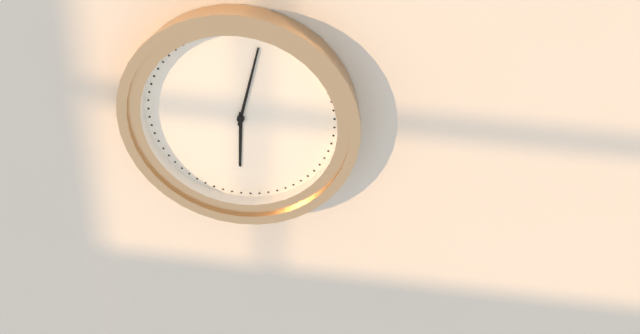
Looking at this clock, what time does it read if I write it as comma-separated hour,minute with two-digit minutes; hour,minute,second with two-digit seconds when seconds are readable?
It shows 6,02
